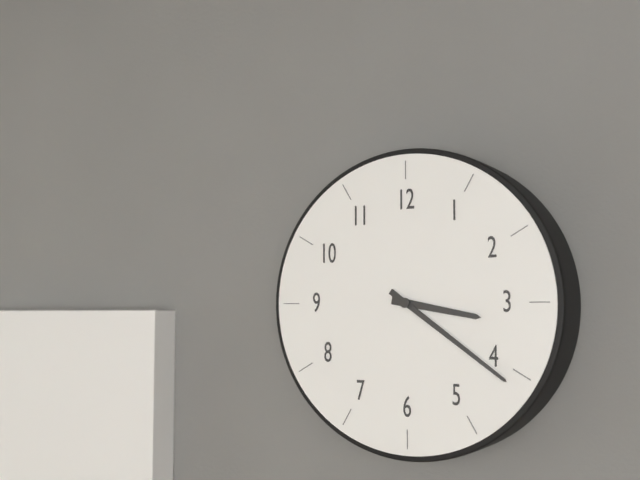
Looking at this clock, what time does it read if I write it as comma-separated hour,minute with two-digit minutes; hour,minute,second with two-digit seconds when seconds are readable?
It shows 3,21
